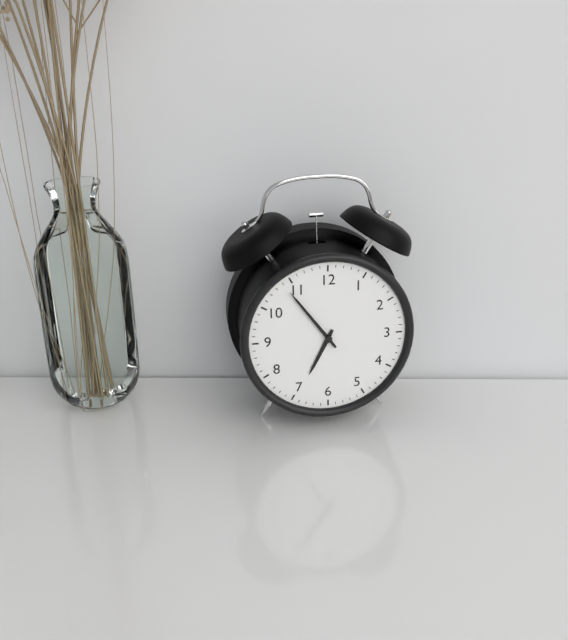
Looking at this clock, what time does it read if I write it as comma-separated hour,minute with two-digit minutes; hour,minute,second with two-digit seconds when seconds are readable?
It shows 6,54
